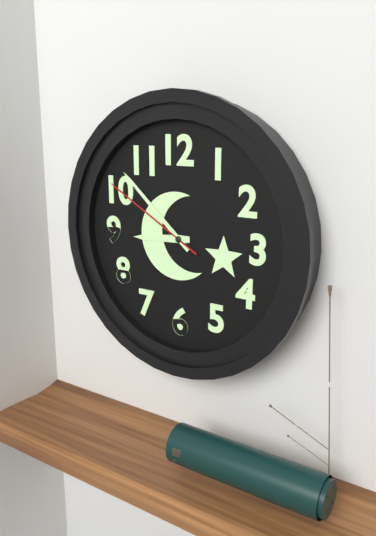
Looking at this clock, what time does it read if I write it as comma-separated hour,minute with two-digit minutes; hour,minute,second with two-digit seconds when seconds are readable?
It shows 8,52,50
